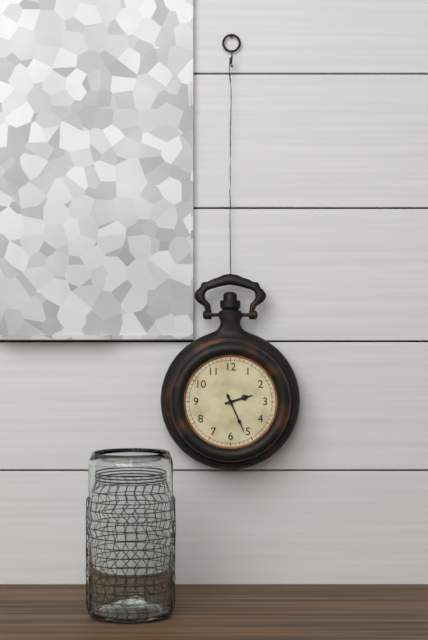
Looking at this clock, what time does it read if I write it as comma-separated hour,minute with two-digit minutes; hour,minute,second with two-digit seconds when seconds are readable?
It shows 2,26
